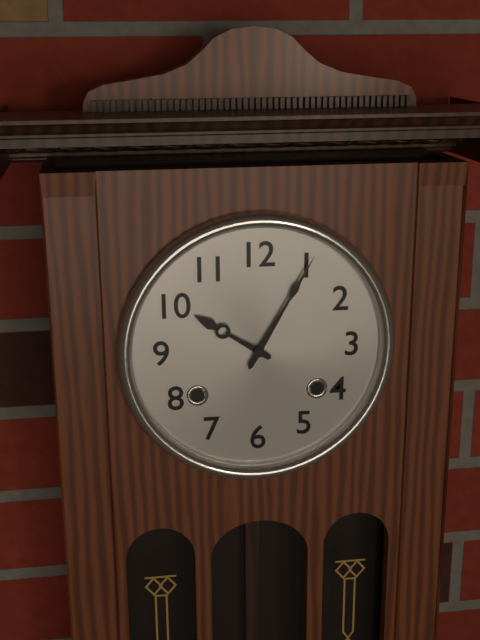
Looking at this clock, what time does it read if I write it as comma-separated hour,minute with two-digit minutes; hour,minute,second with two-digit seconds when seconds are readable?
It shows 10,05
